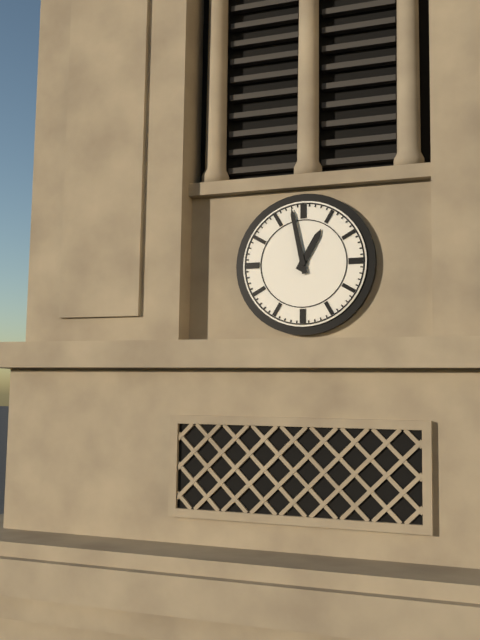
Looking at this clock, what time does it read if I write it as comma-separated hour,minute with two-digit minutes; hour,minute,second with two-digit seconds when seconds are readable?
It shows 12,58
